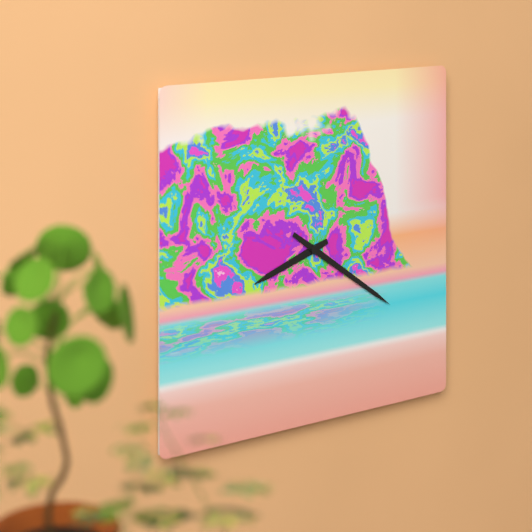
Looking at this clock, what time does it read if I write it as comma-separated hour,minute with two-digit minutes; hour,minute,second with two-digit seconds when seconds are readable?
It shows 8,21
